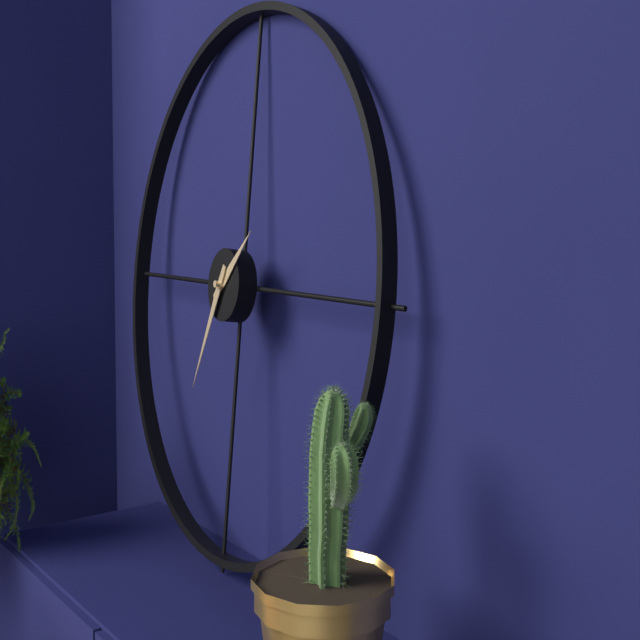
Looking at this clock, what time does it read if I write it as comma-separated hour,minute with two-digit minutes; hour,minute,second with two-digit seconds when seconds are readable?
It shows 1,34
